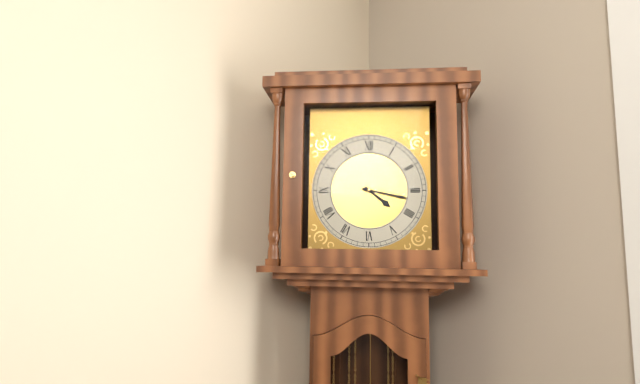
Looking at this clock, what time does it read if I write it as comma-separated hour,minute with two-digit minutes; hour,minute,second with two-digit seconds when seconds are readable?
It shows 4,17
